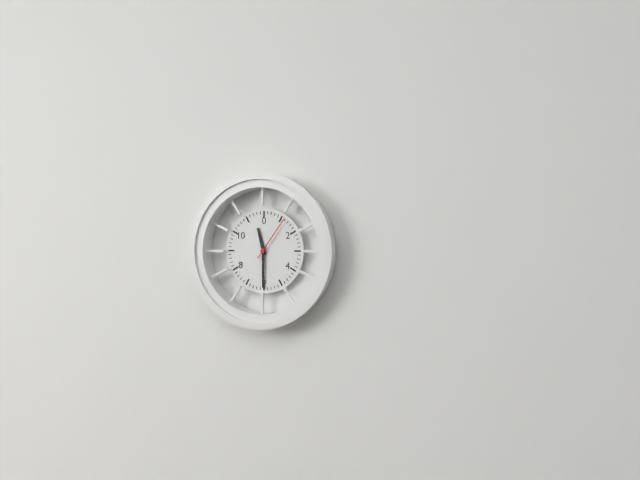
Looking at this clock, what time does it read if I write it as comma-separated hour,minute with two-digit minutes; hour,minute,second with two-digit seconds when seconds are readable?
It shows 11,30
